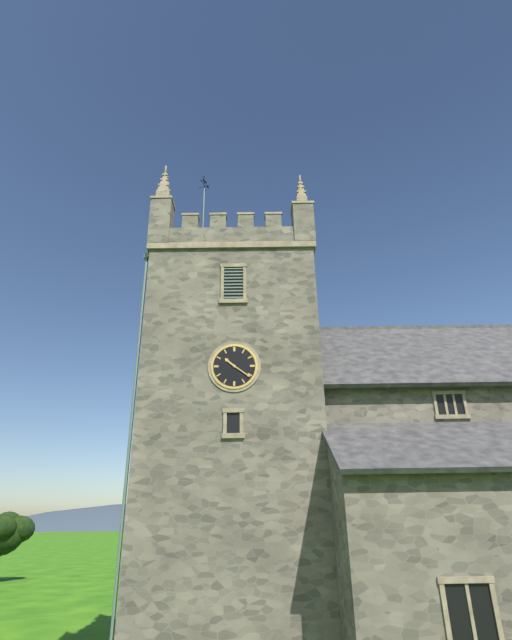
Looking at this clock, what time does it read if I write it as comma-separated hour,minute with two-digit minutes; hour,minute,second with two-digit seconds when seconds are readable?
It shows 10,21
